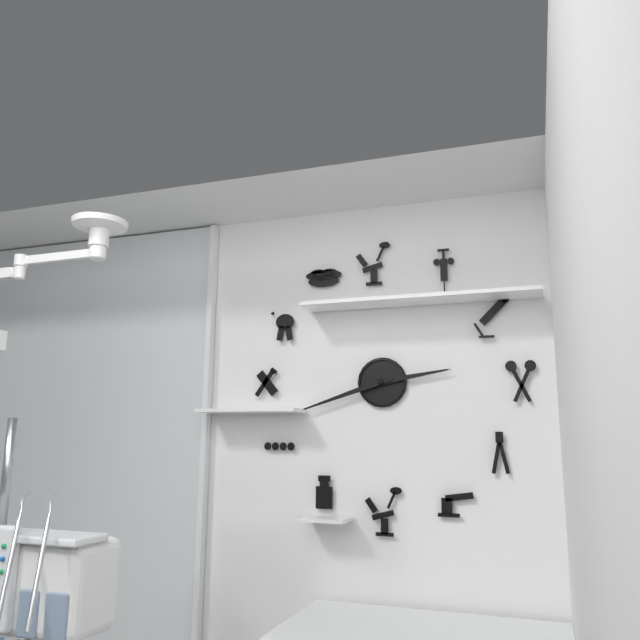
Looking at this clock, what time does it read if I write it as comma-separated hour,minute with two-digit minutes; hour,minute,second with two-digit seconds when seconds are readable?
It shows 2,42
